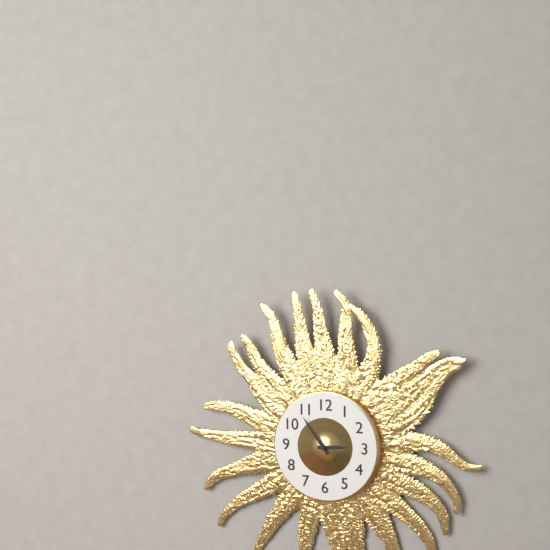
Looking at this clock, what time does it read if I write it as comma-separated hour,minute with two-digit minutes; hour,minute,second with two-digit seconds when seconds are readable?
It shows 2,54
